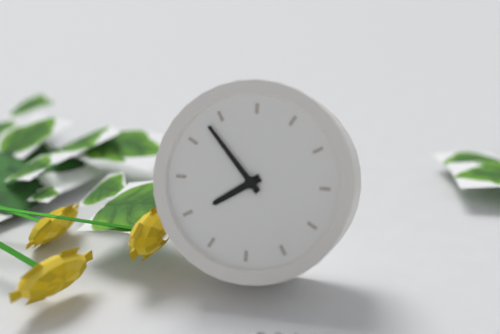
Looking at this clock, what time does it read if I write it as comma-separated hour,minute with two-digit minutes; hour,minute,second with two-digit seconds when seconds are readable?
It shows 7,53
